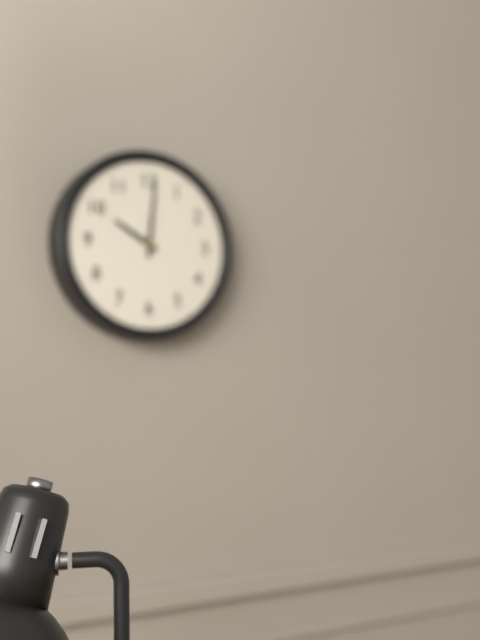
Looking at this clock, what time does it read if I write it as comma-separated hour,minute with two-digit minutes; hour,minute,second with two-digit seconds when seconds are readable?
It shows 10,01
